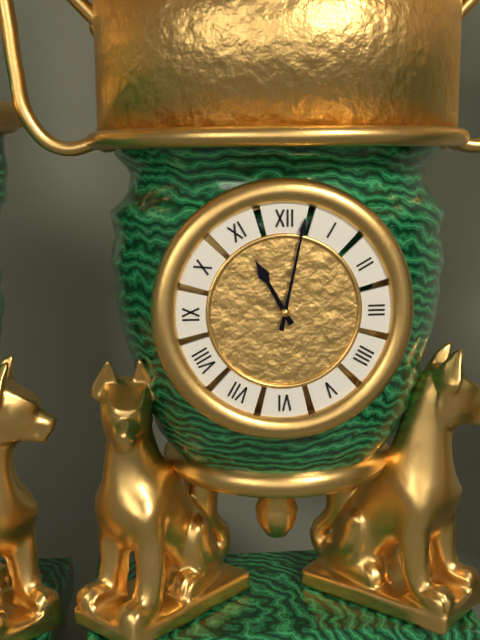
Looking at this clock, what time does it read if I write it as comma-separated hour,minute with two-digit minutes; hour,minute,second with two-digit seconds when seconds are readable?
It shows 11,02
